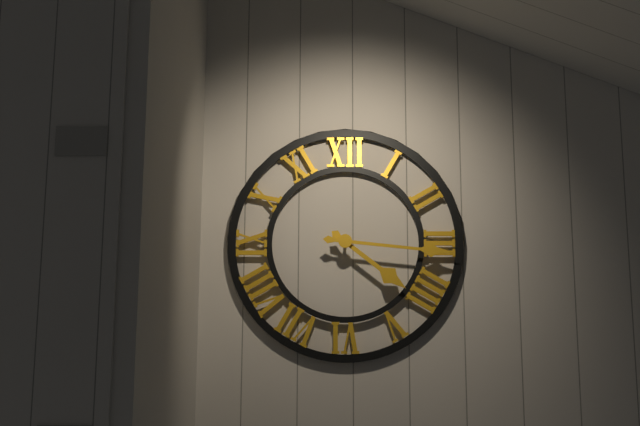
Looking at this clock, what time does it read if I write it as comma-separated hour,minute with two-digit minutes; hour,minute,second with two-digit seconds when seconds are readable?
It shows 4,16
